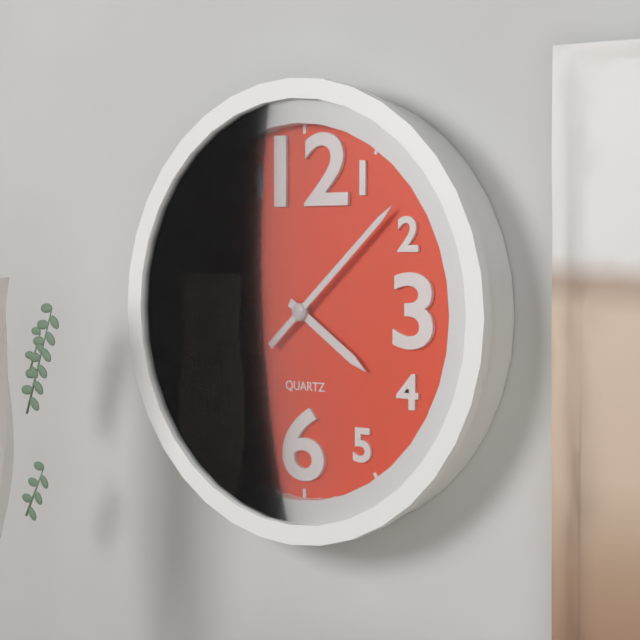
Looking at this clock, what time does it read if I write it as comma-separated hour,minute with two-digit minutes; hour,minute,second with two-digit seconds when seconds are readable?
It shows 4,08
